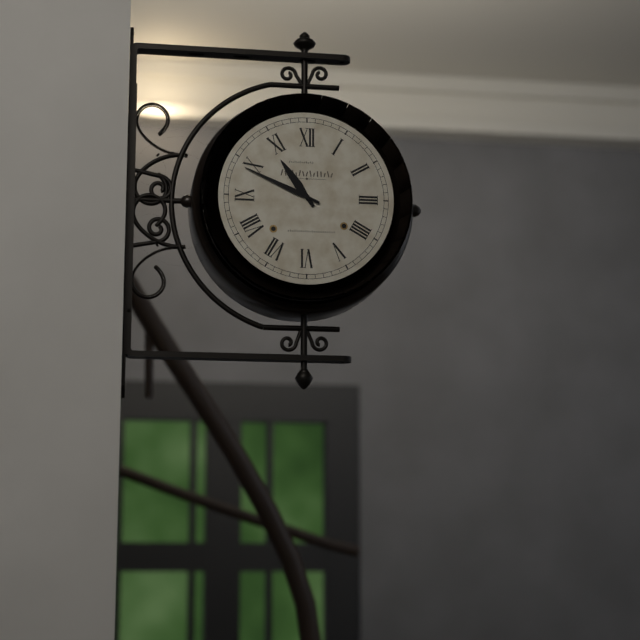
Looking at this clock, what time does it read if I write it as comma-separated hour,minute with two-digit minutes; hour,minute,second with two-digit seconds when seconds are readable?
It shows 10,49
